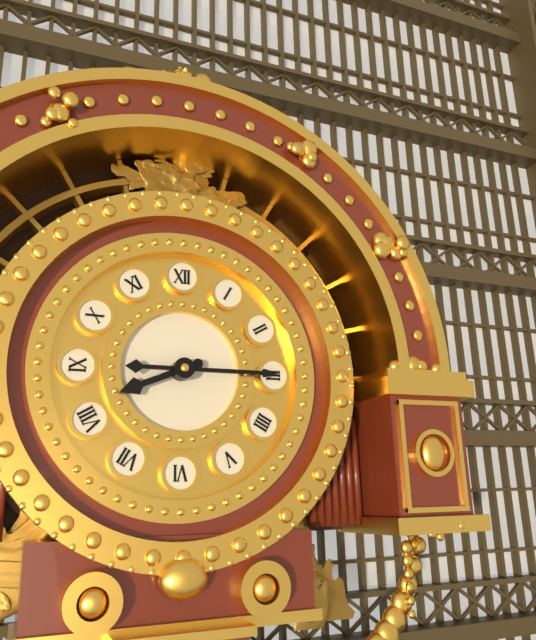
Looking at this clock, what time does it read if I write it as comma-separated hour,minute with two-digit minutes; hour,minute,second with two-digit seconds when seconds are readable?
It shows 8,15
